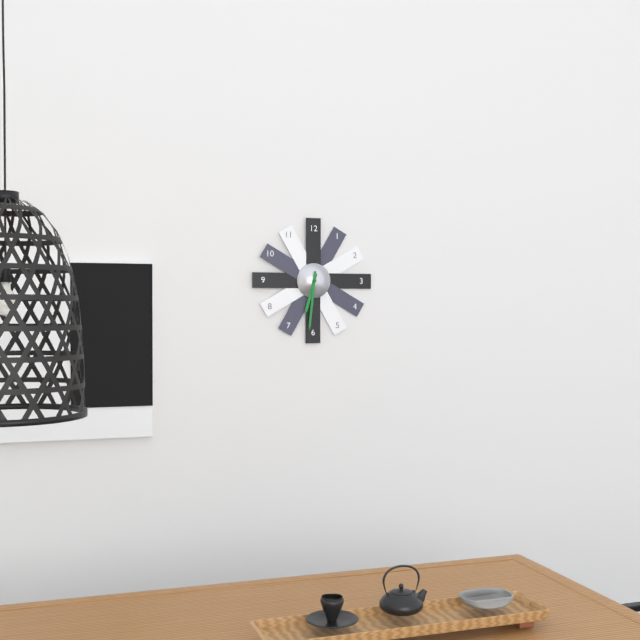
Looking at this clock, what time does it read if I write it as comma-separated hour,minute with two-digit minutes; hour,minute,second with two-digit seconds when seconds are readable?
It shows 6,31
